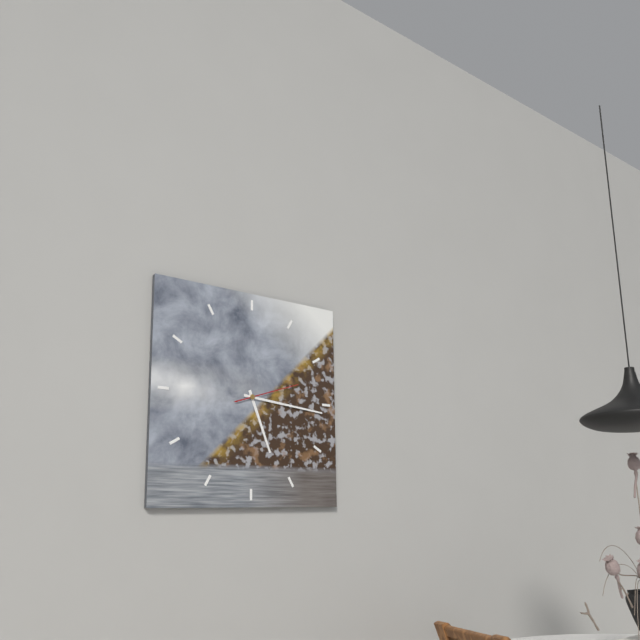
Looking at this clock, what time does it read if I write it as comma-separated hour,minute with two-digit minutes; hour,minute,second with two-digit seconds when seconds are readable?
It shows 5,16,12
